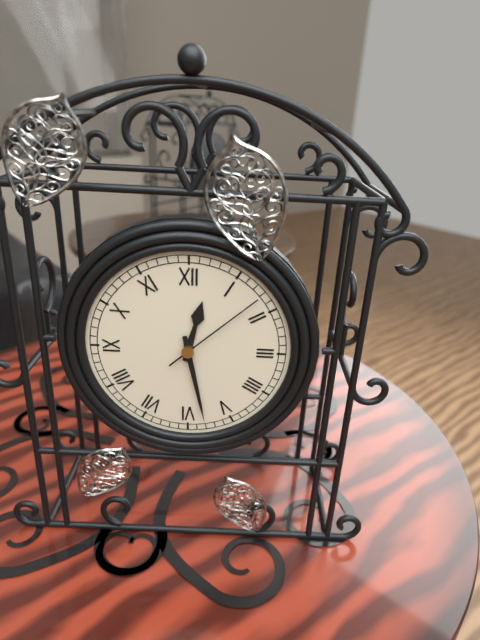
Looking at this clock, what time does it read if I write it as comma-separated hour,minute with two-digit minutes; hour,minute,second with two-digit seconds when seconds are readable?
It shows 12,28,08
